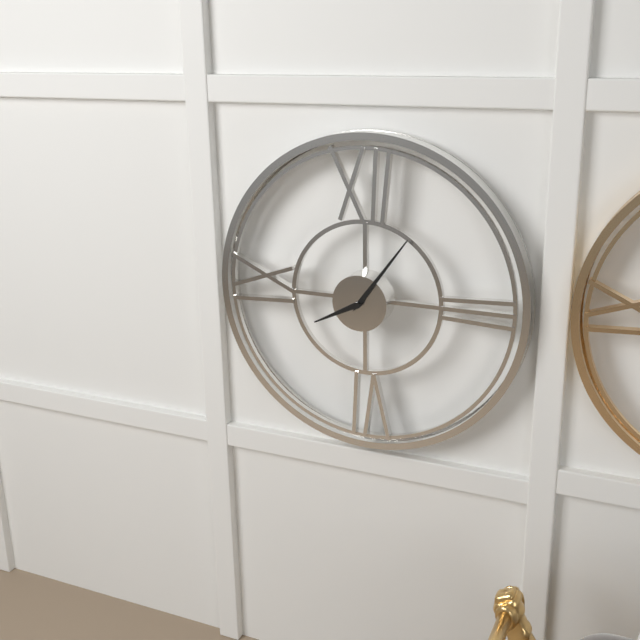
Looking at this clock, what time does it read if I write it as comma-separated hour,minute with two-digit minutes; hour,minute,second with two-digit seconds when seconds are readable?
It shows 8,06
